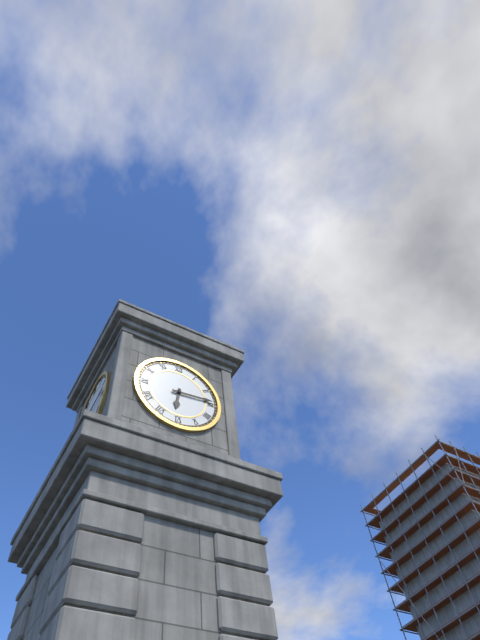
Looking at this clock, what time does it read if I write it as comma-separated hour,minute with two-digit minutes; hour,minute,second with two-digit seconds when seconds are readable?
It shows 6,14
